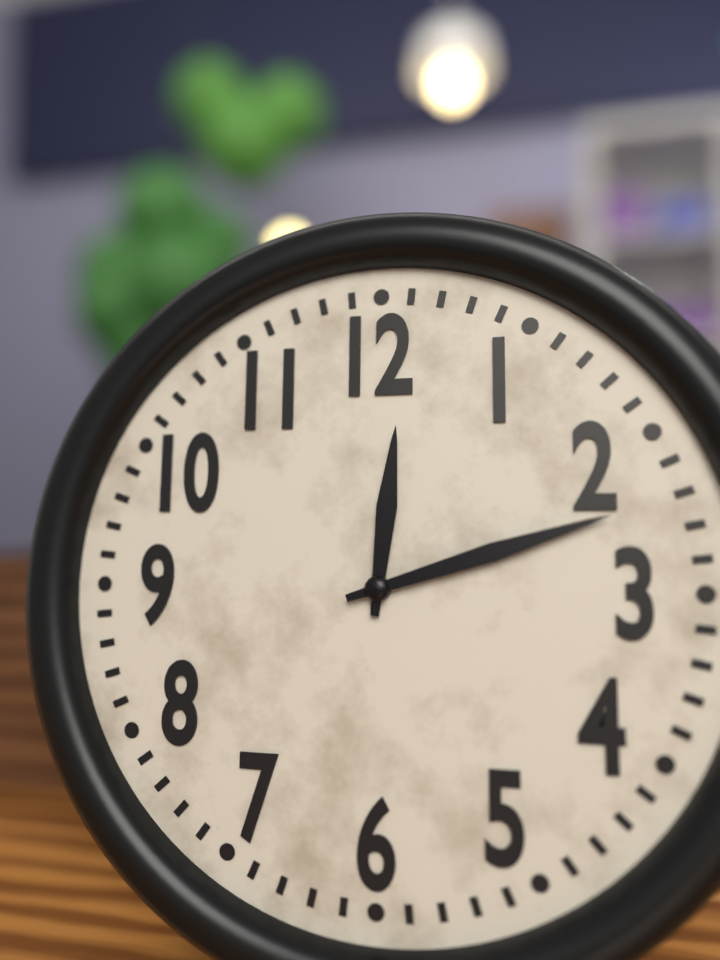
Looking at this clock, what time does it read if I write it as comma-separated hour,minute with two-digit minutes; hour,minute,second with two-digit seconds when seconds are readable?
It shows 12,12
